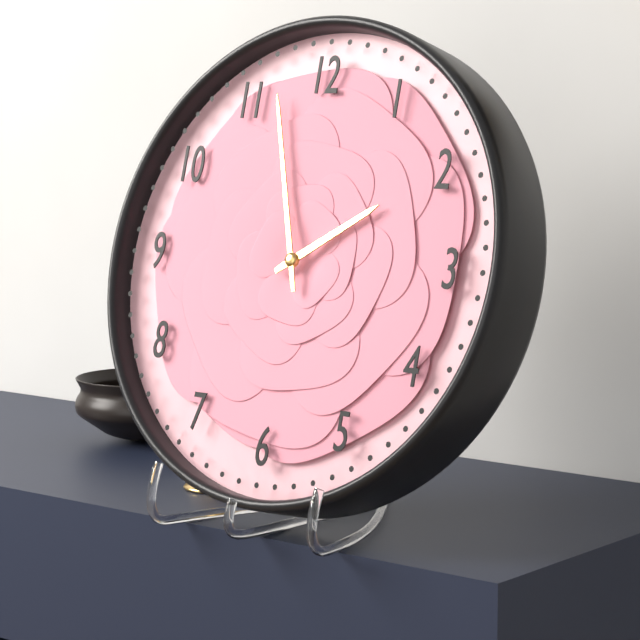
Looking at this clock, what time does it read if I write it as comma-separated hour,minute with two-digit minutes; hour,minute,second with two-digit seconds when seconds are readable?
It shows 1,57
